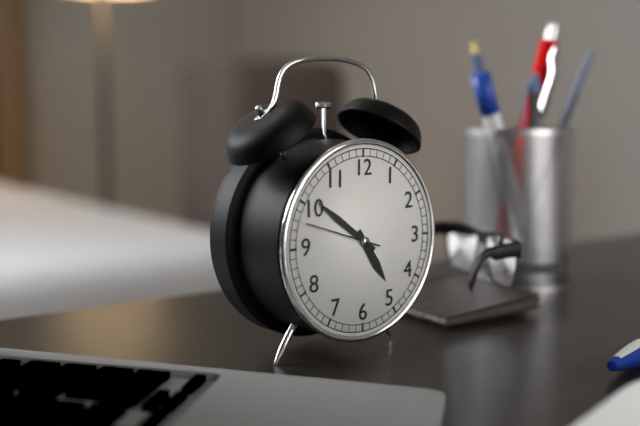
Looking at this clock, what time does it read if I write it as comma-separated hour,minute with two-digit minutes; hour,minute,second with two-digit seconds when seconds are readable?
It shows 4,51
